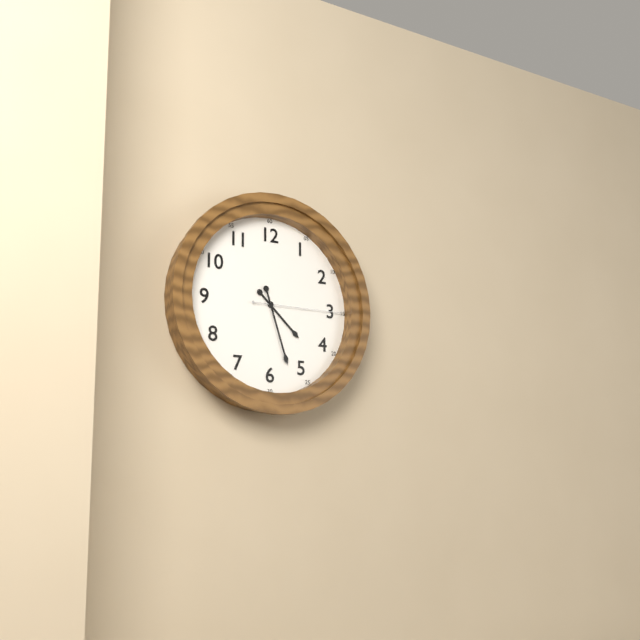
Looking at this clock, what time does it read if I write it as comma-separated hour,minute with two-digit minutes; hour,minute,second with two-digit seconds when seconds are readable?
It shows 4,27,15
